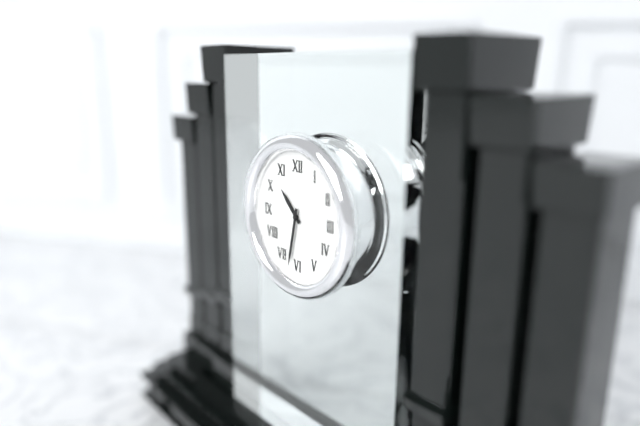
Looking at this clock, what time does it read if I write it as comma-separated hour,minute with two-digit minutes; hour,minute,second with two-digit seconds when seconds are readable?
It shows 10,32
